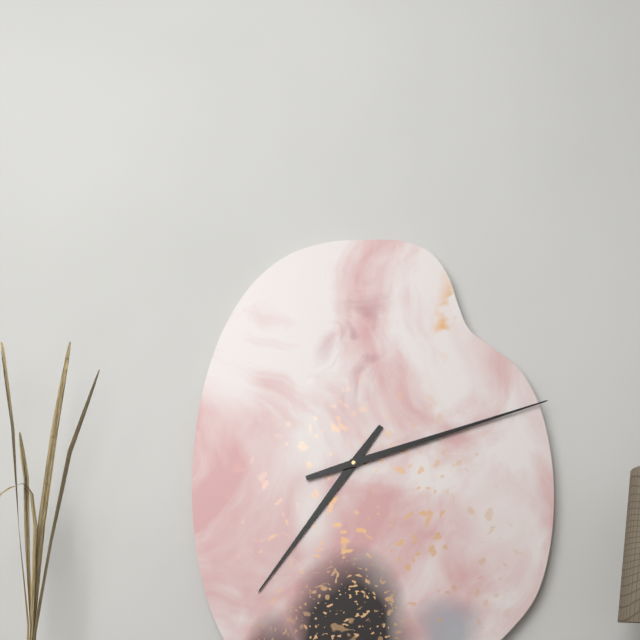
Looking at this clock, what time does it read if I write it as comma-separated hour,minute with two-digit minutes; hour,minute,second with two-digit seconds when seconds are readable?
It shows 7,12
